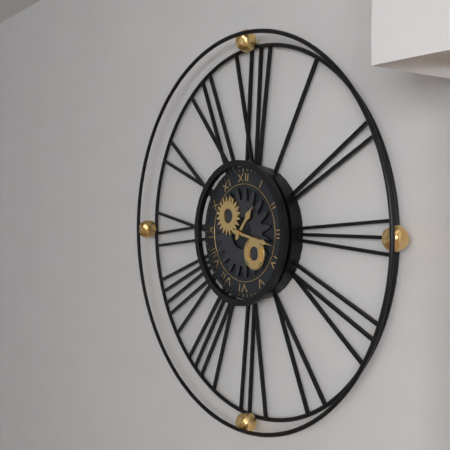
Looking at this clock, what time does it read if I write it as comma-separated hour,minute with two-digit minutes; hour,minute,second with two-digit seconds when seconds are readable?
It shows 1,17
